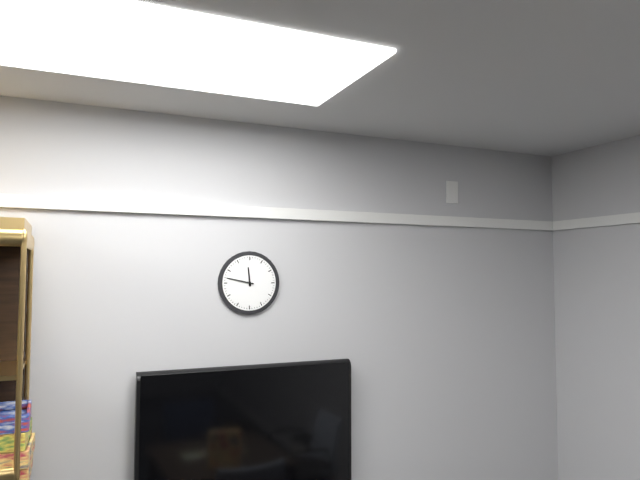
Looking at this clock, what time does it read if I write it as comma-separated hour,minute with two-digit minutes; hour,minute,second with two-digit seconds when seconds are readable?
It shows 11,47
